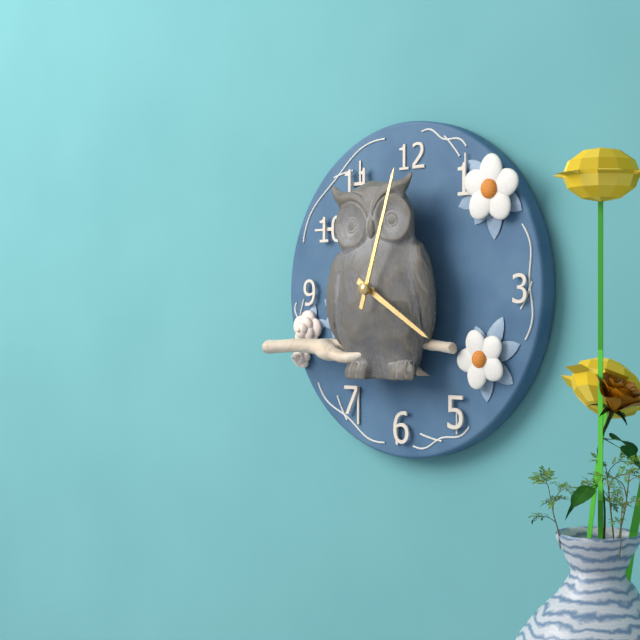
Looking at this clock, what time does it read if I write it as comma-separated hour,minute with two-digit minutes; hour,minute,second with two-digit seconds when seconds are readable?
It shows 4,03
